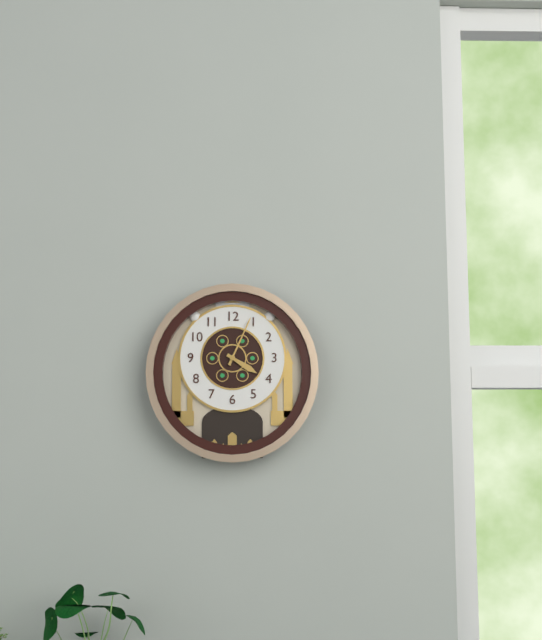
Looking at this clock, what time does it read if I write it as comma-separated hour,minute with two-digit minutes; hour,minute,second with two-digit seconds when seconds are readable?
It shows 4,04
